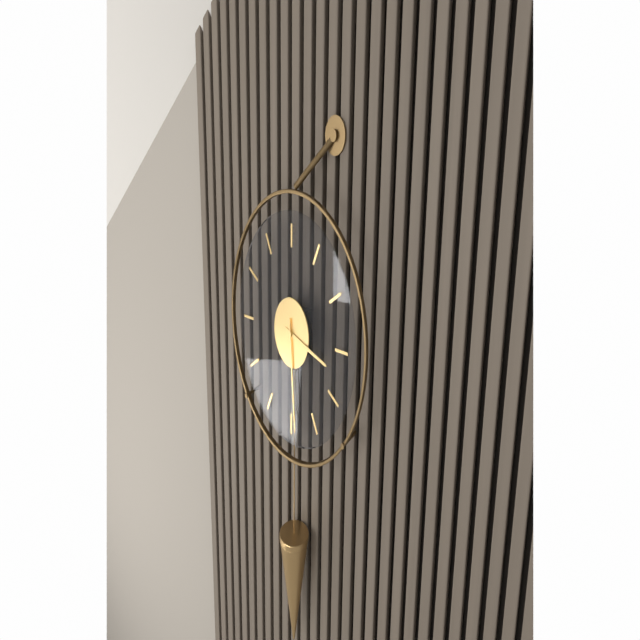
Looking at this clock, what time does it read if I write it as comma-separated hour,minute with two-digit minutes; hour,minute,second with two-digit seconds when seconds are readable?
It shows 3,29
